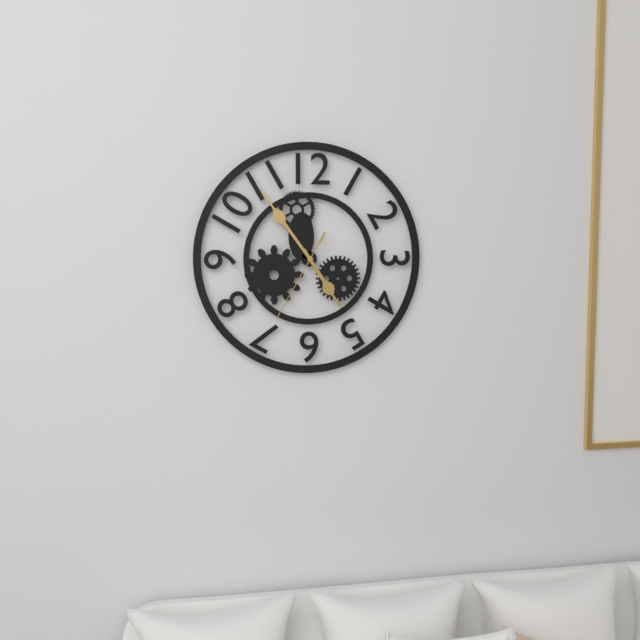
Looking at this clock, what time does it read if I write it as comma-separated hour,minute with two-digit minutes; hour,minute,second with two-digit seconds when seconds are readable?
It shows 4,54,35
